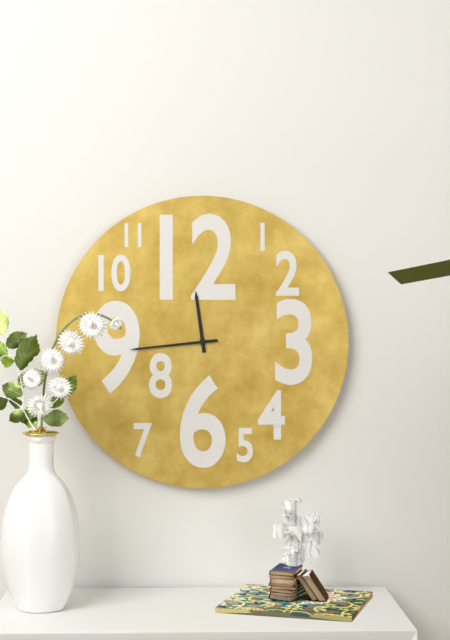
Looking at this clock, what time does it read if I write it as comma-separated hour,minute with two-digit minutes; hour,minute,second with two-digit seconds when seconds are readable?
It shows 11,44
